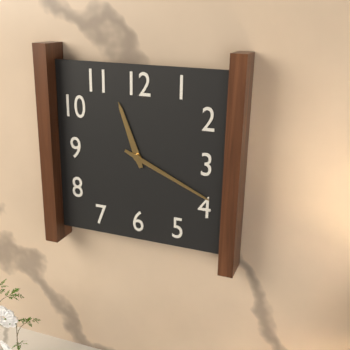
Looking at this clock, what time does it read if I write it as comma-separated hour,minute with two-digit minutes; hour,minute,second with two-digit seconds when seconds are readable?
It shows 11,19
